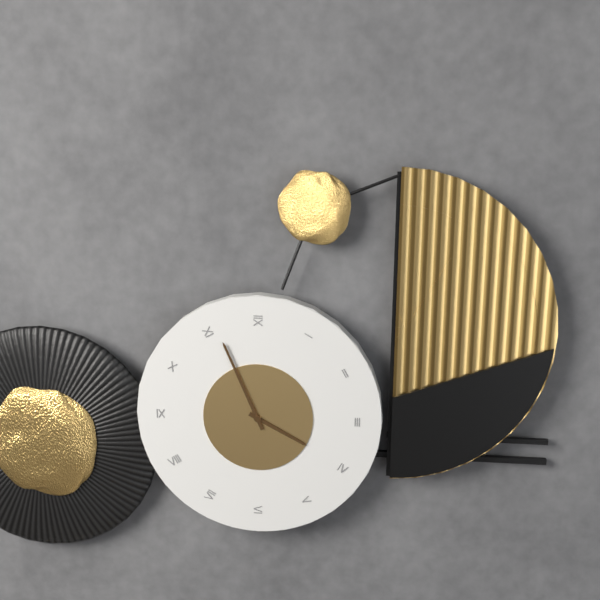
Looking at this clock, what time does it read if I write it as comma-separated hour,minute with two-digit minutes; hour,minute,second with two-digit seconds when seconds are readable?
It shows 3,56
